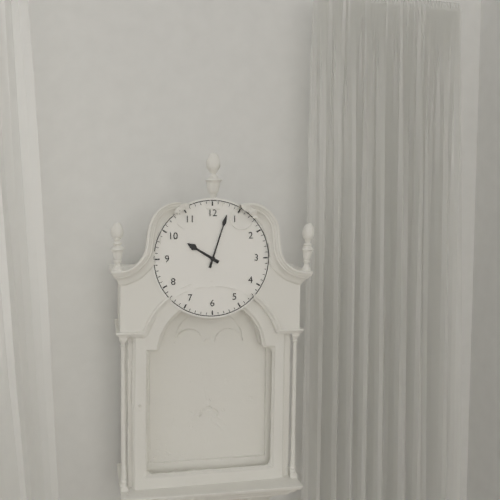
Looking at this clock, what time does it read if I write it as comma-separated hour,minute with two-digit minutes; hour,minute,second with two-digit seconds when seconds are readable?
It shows 10,03
